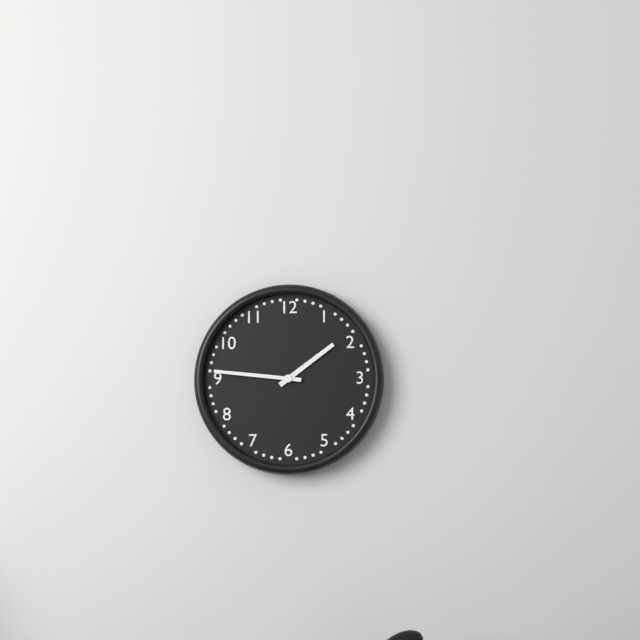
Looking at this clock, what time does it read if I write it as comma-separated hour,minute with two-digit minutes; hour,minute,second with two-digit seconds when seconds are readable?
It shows 1,46
